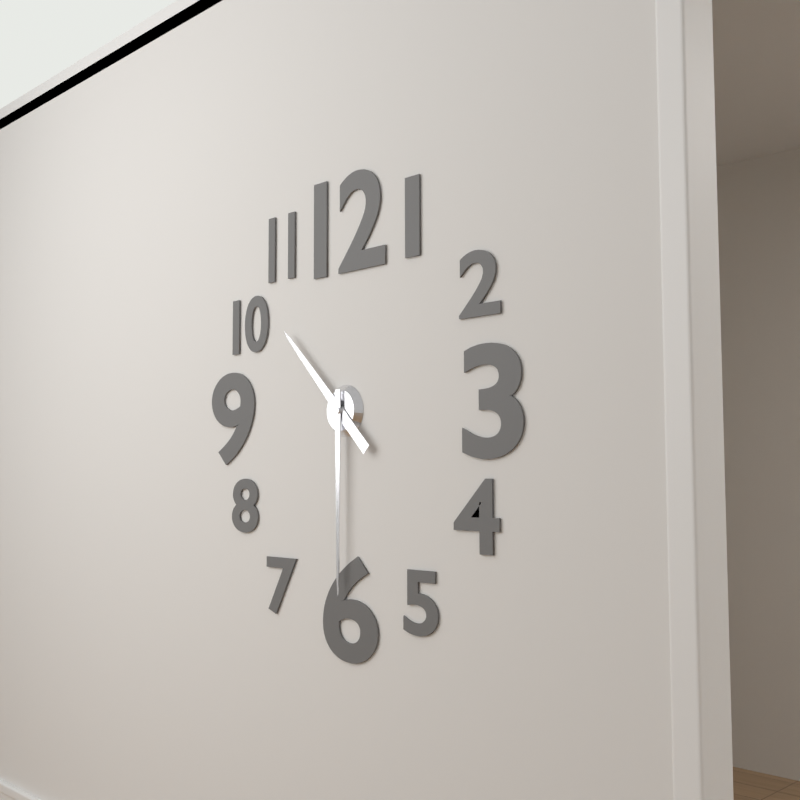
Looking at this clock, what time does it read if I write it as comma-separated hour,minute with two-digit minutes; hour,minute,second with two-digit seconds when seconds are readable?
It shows 10,30
